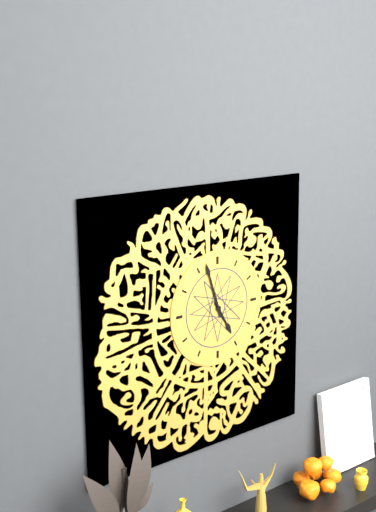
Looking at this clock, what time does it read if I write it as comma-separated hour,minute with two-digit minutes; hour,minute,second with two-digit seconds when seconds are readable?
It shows 4,57
